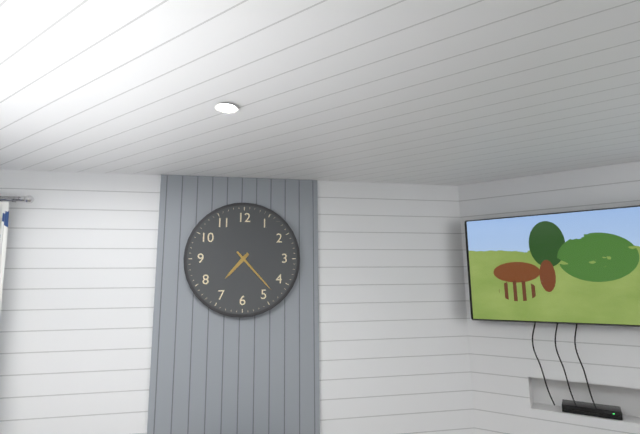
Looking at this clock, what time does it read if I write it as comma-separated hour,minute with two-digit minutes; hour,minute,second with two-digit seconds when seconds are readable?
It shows 7,23
